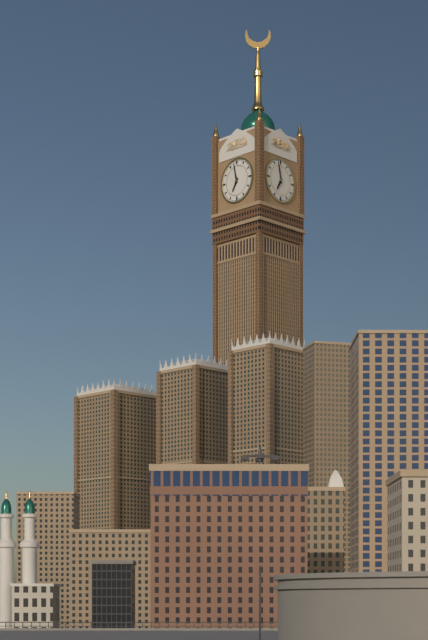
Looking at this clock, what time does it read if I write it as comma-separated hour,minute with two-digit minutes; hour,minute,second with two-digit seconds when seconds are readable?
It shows 6,58
